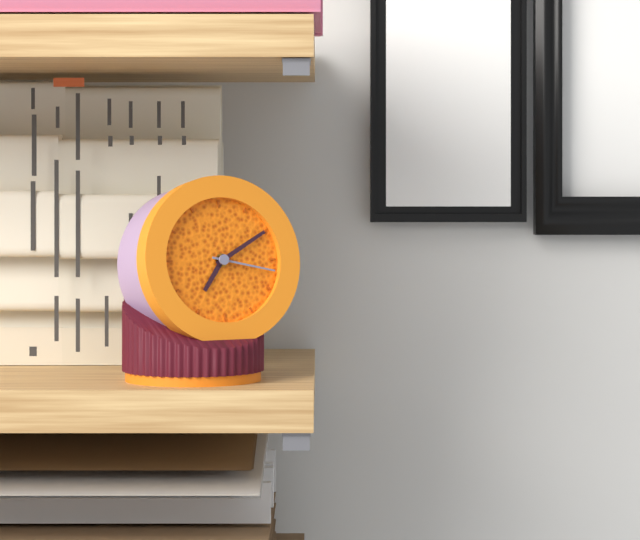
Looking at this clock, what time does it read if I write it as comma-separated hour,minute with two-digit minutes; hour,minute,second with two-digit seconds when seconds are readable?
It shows 7,10,17
